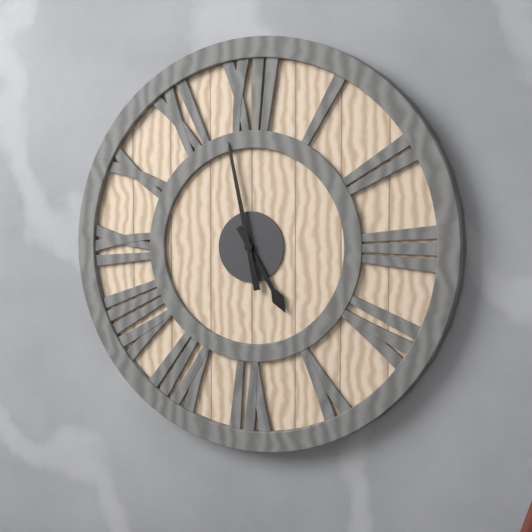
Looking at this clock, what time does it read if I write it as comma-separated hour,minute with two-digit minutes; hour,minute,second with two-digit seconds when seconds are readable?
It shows 4,58
